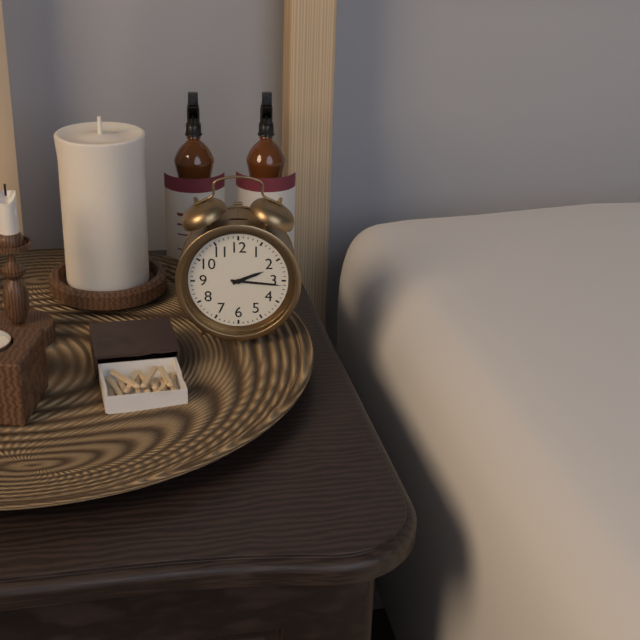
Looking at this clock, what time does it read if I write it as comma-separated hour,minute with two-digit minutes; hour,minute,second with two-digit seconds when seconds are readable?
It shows 2,16
